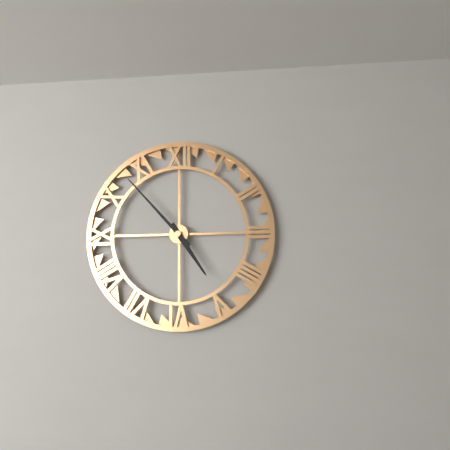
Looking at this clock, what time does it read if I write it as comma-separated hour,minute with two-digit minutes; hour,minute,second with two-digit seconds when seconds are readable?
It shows 4,53
